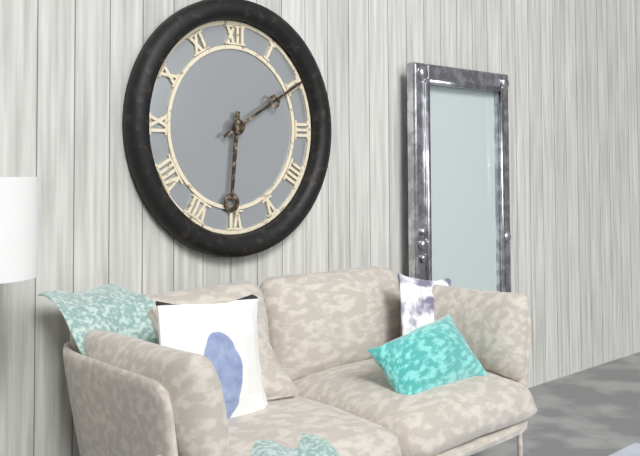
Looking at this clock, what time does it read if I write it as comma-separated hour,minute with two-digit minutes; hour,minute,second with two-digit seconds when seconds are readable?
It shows 6,10
